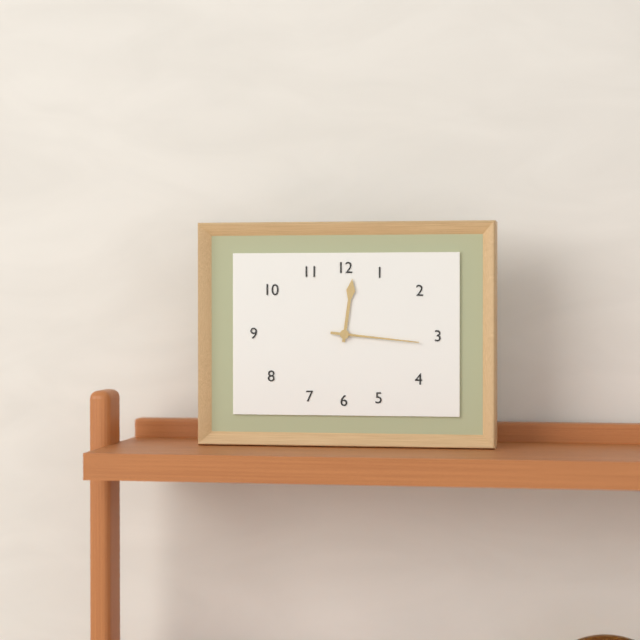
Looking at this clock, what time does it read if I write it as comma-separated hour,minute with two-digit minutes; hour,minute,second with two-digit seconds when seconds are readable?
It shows 12,16
